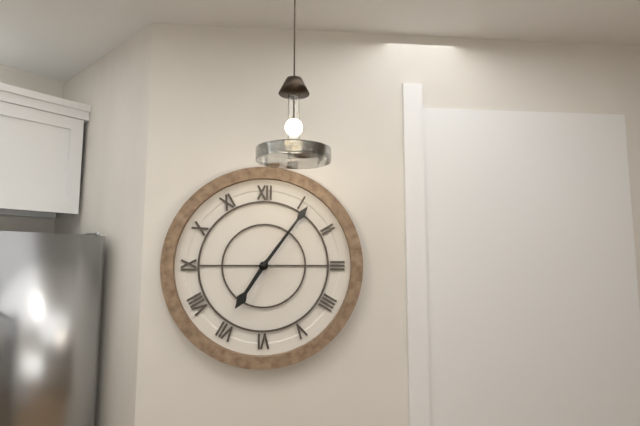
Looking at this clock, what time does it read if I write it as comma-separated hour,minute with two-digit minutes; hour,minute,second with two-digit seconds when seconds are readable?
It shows 7,06
